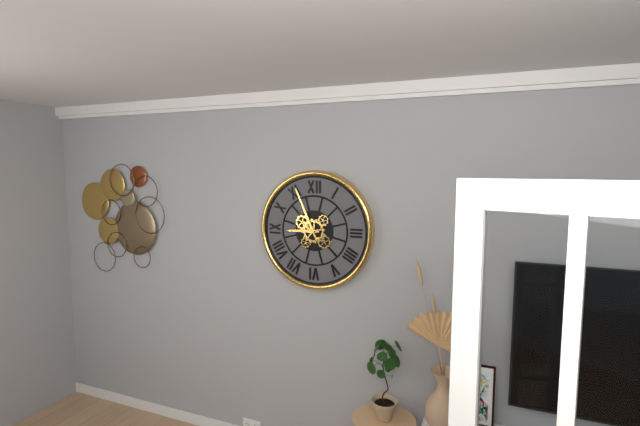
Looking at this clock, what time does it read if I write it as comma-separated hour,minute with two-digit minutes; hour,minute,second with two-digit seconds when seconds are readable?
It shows 8,56
